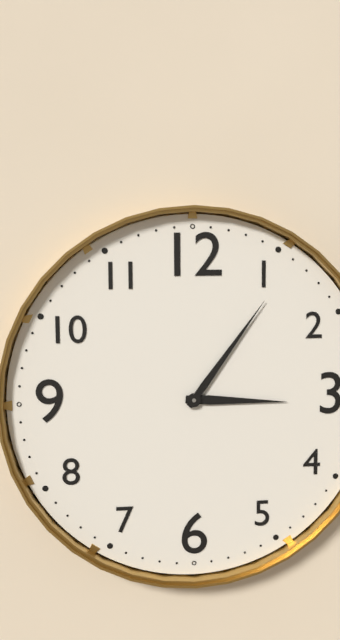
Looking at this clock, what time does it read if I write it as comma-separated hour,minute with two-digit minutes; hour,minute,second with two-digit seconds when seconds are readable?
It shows 3,06
